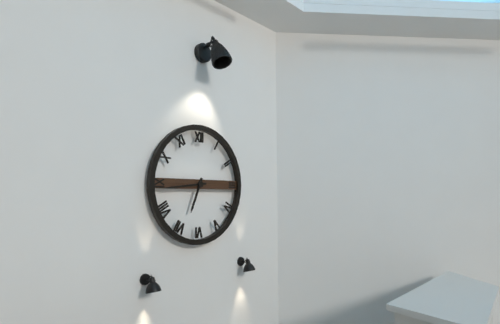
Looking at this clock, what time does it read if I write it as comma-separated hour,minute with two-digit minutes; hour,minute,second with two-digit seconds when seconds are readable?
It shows 6,44
